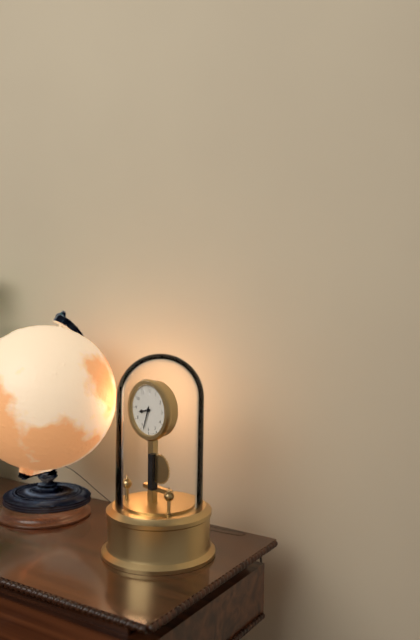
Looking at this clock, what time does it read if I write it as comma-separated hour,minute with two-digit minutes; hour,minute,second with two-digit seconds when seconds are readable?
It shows 8,33
